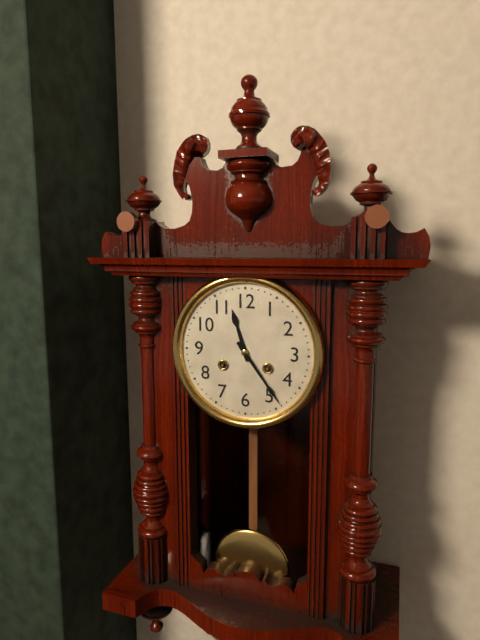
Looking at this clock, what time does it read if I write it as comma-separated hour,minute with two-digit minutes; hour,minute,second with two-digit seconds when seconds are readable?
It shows 11,24
